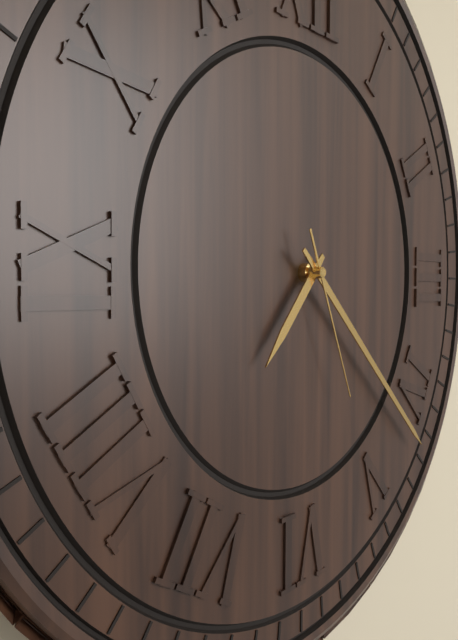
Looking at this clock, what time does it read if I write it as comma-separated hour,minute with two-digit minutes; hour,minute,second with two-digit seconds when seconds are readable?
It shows 7,22,26
